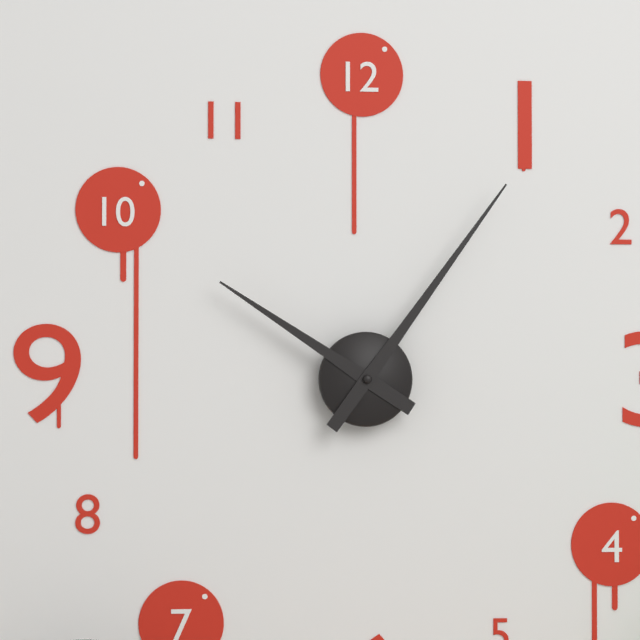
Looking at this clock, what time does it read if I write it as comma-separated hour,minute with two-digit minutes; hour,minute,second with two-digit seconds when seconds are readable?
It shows 10,06
